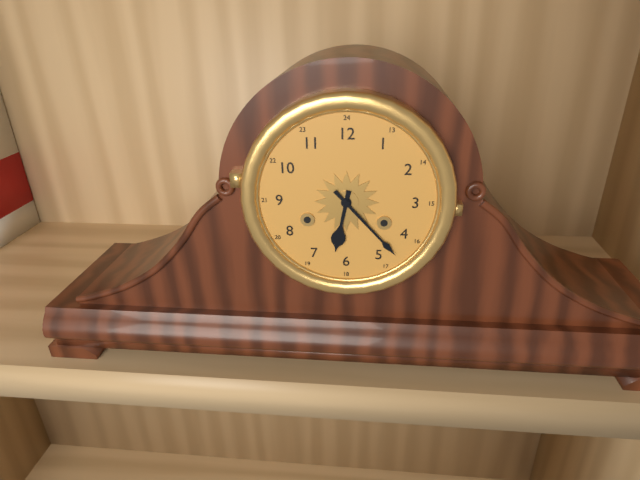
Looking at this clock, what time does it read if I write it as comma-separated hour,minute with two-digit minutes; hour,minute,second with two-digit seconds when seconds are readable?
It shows 6,23
